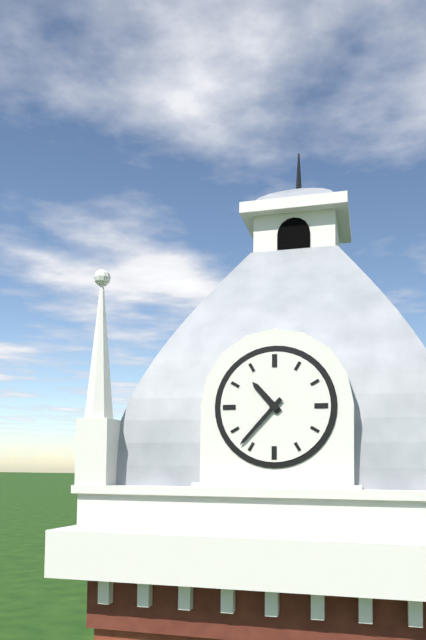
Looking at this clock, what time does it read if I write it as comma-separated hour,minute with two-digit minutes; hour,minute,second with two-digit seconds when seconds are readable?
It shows 10,37
